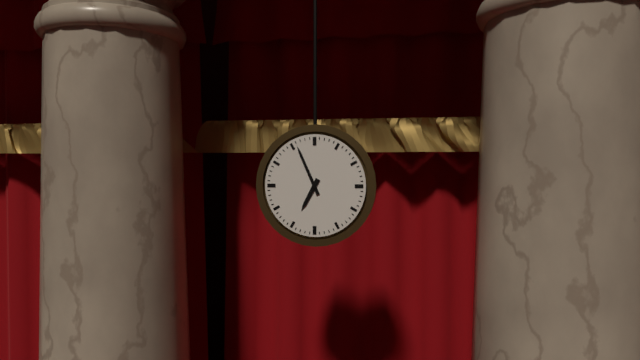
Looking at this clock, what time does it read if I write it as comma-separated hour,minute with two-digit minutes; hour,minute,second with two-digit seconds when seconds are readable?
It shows 6,56
